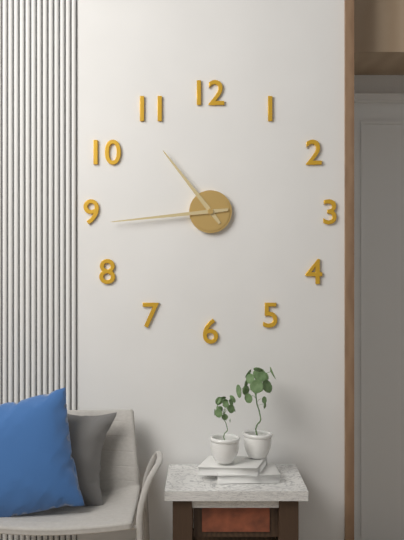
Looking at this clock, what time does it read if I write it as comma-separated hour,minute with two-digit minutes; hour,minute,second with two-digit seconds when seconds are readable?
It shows 10,44
